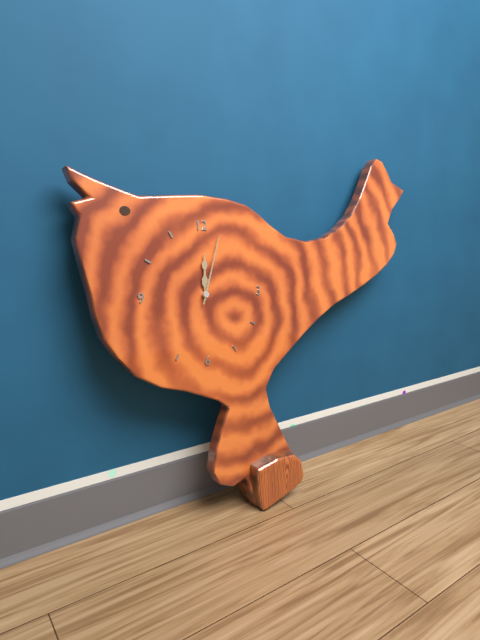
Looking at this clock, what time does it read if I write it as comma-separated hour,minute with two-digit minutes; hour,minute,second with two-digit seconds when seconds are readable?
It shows 12,03
